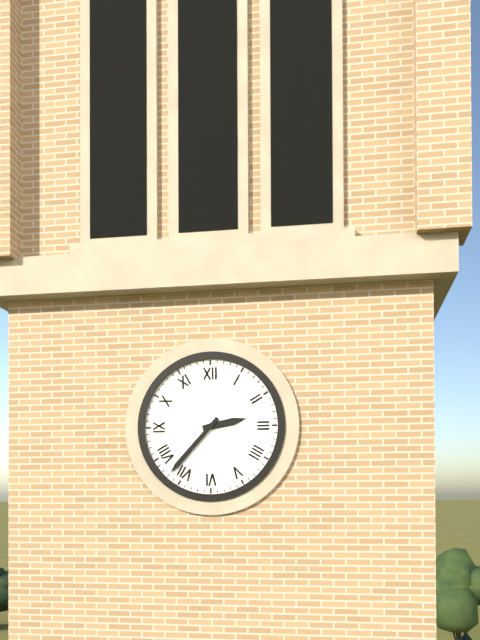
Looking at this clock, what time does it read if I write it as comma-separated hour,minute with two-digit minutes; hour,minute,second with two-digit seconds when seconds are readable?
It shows 2,37
